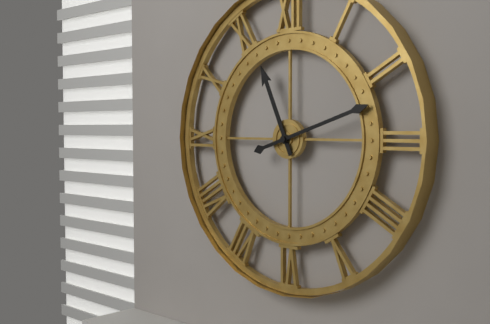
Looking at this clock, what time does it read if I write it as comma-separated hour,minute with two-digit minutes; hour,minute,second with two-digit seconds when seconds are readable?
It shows 11,12
